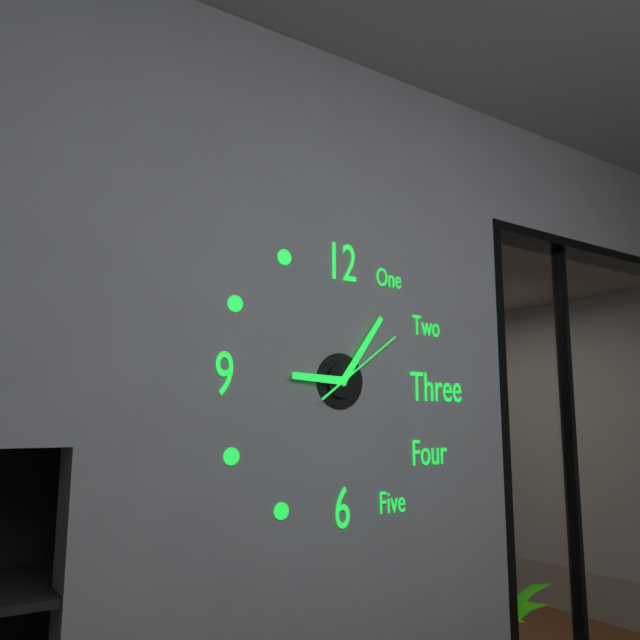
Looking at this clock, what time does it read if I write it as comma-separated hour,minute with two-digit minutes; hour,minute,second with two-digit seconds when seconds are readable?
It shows 9,06,09
